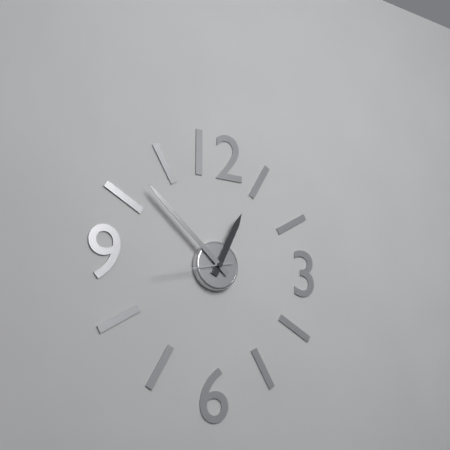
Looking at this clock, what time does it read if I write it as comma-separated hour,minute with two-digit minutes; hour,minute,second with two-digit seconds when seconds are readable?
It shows 12,52,43
